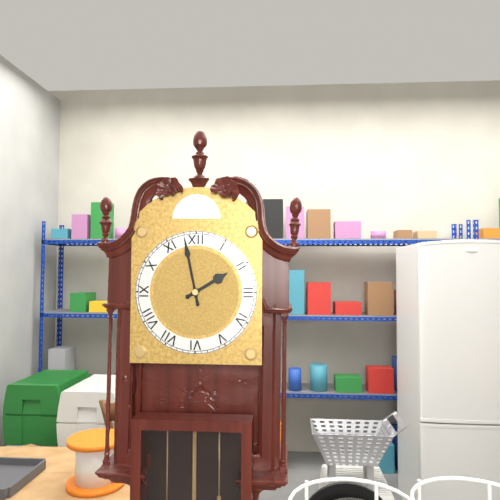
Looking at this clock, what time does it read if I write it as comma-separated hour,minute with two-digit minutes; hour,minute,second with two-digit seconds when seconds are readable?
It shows 1,58
